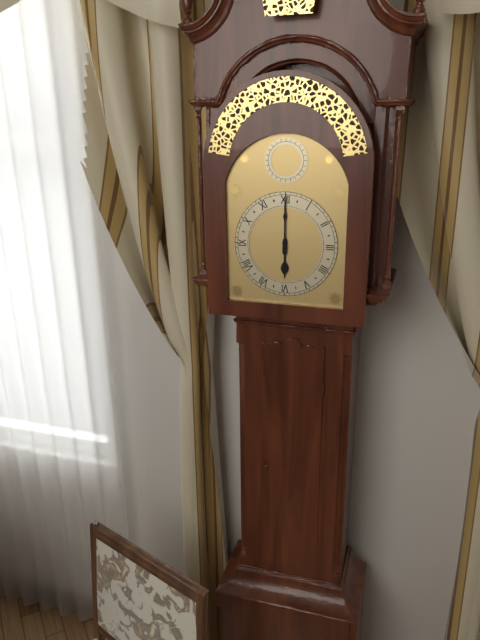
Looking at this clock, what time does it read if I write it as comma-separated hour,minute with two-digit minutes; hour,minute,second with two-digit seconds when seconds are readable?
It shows 6,00
